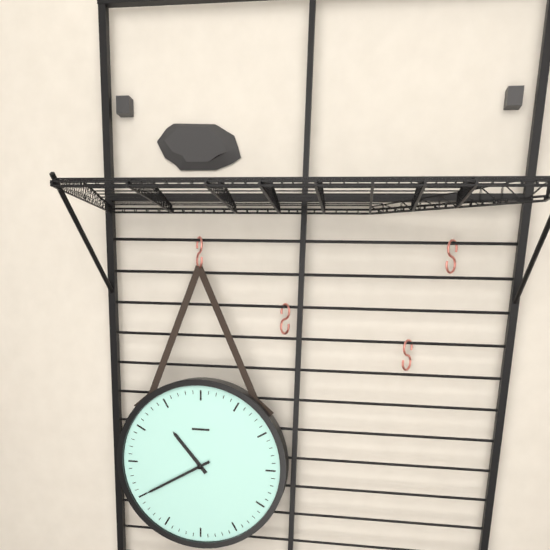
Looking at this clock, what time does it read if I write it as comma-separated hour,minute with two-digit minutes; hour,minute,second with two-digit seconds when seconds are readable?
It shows 10,40
